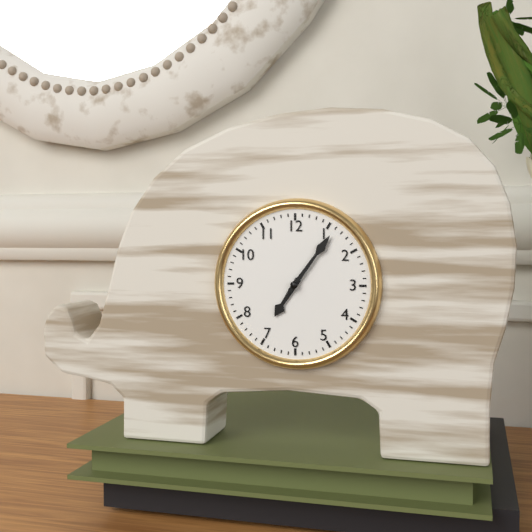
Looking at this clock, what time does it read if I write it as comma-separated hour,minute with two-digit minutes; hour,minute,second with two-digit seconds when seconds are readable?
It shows 7,06
